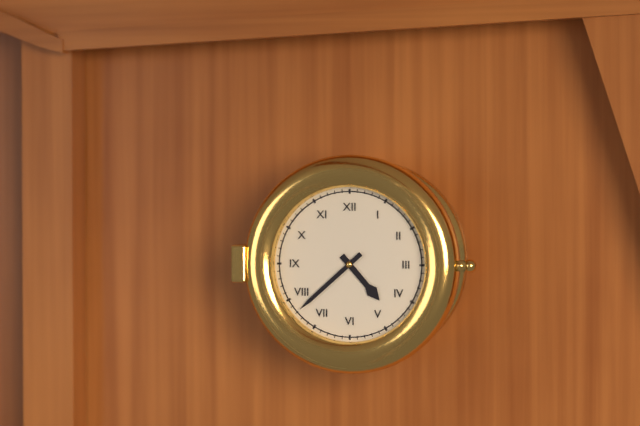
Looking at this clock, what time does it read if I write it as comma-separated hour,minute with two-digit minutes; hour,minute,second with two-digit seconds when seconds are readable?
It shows 4,38
